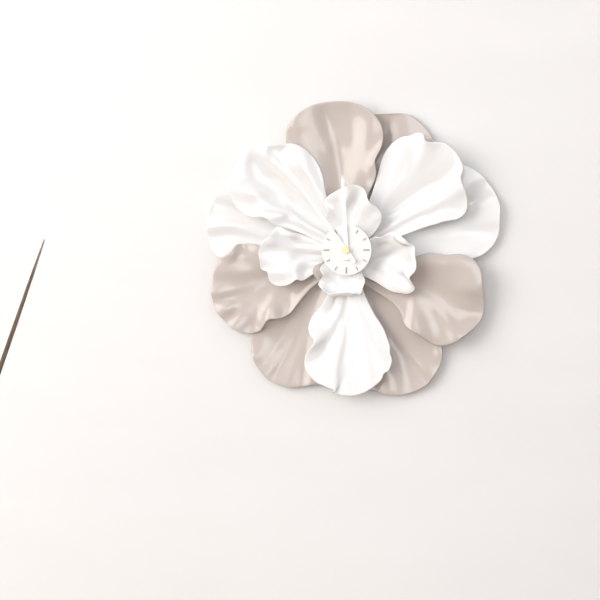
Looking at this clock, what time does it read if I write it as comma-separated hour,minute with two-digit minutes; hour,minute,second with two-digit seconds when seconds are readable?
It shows 11,54
